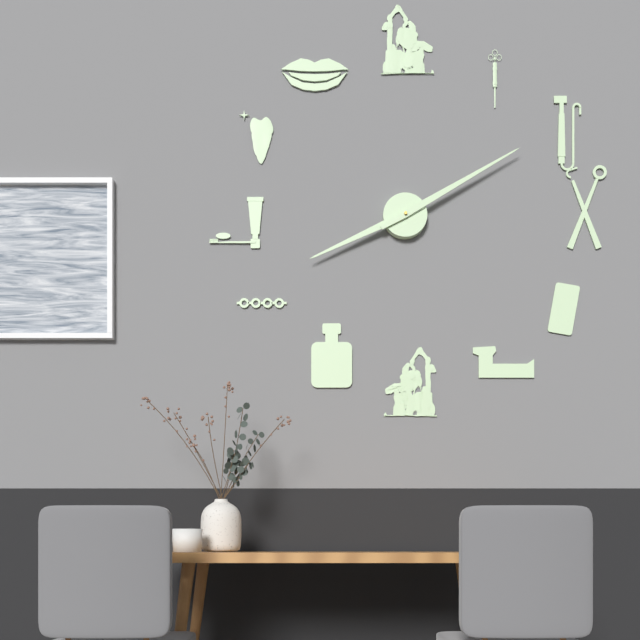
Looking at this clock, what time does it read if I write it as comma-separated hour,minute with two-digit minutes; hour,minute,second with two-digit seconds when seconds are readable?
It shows 8,10
